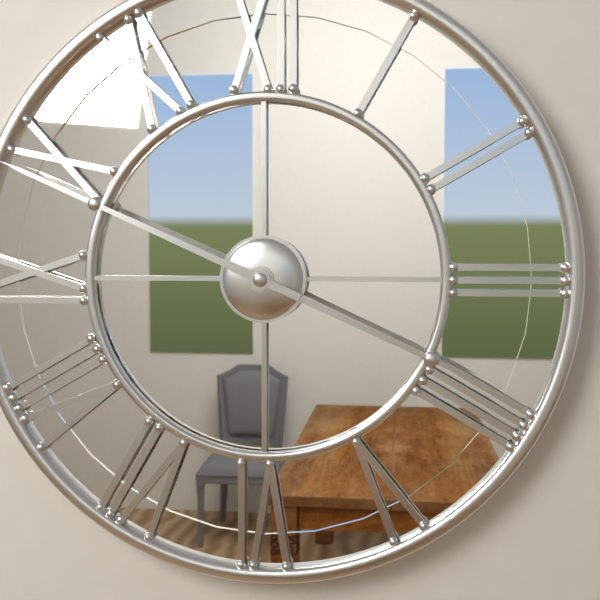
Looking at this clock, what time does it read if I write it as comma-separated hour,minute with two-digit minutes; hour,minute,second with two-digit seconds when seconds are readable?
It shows 3,49
